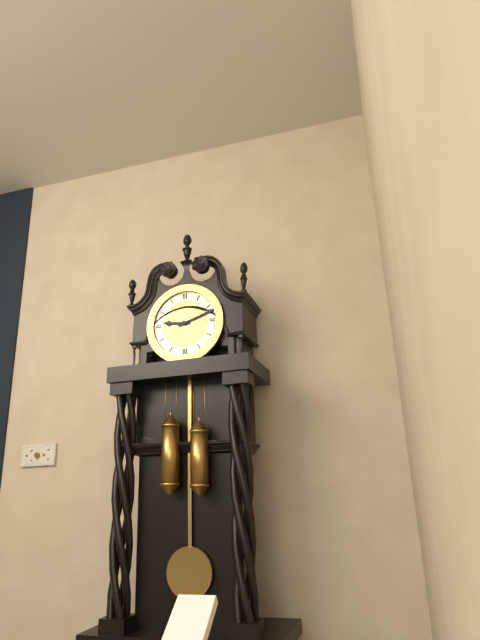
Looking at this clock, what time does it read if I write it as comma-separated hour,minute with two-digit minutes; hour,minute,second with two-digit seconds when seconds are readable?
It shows 9,12
